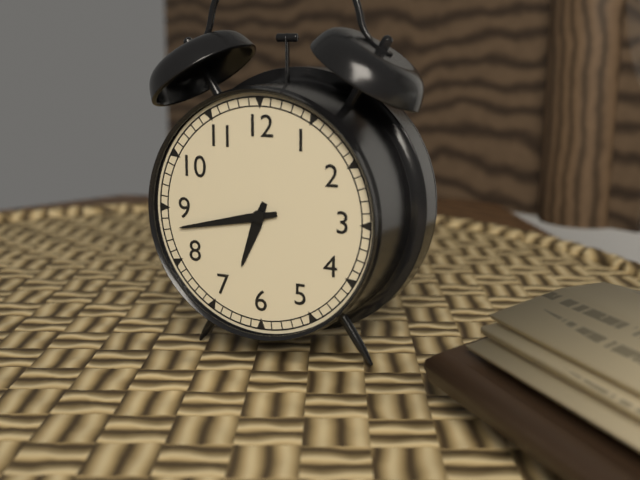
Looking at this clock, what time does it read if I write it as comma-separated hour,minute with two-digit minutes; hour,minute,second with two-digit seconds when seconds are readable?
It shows 6,43
